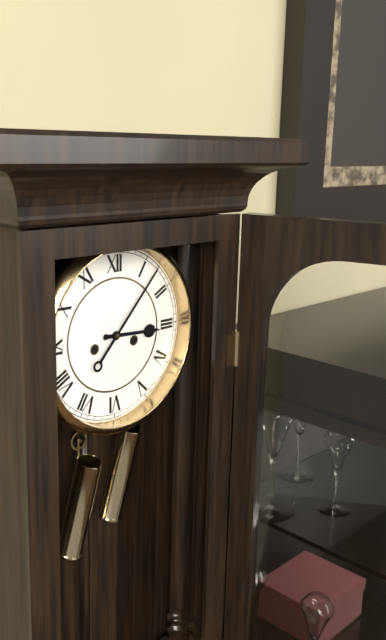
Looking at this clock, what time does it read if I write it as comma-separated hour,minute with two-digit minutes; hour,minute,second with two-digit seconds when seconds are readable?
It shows 3,07
